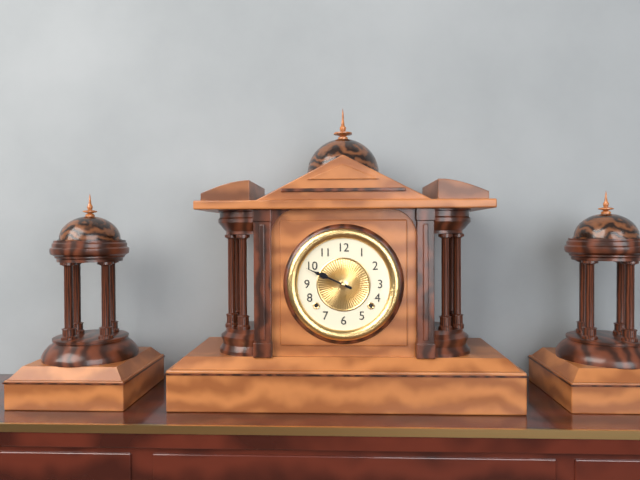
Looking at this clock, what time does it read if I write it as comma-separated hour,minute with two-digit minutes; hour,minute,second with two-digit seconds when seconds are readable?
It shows 9,49
